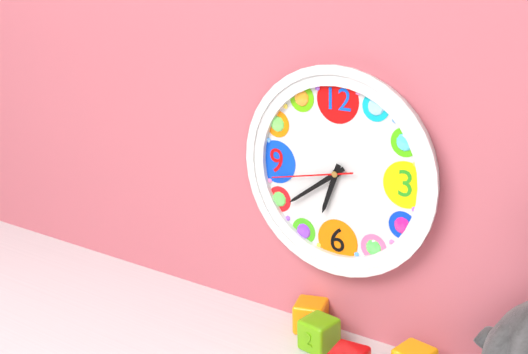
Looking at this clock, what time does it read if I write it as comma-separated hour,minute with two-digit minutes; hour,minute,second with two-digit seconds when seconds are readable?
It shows 6,39,43
